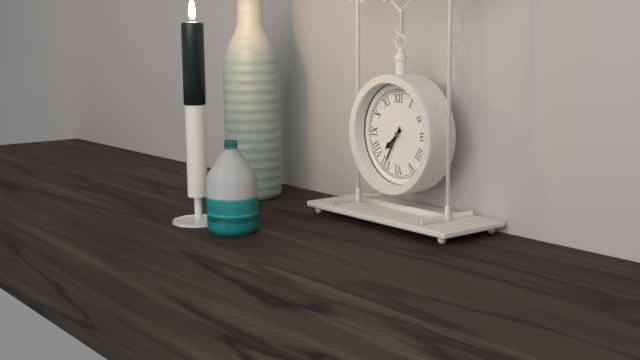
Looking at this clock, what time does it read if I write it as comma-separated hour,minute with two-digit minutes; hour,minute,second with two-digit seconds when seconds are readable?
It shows 7,35
